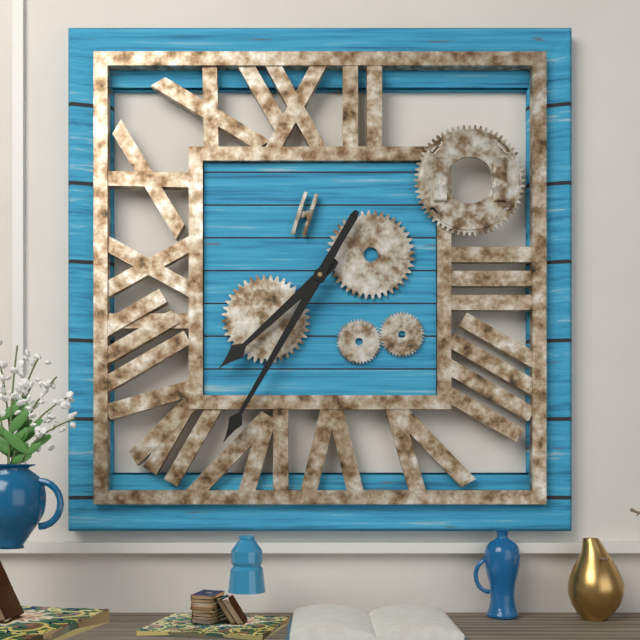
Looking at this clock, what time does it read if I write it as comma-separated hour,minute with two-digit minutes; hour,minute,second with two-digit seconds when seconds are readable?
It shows 7,35
